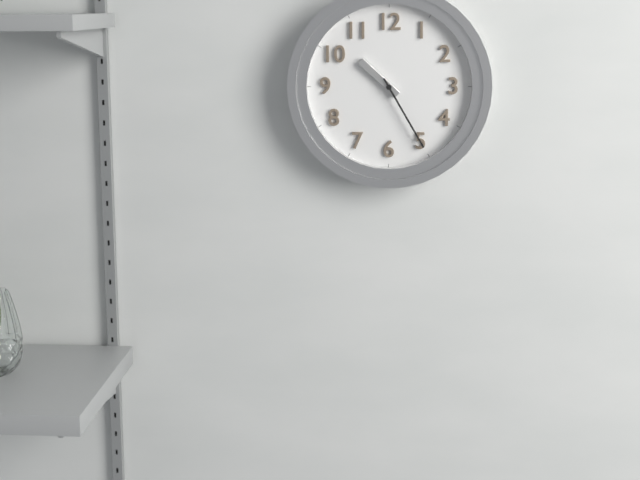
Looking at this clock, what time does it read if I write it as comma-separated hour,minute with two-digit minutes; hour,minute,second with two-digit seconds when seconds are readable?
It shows 10,25
